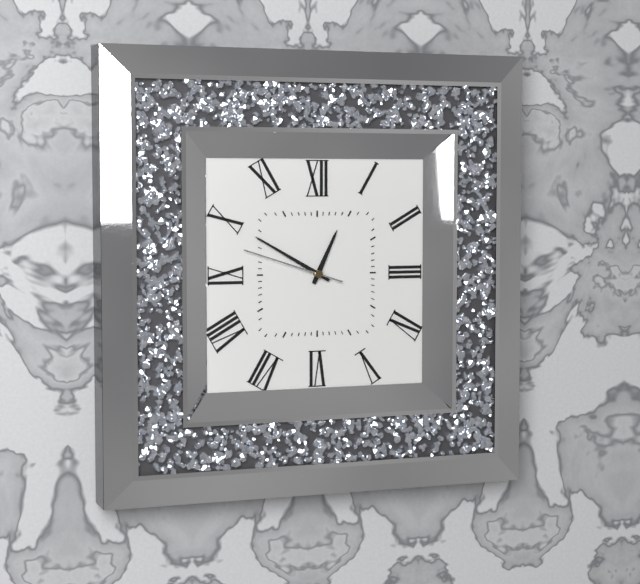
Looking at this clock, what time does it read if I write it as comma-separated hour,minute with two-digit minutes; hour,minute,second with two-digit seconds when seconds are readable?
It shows 12,50,48
